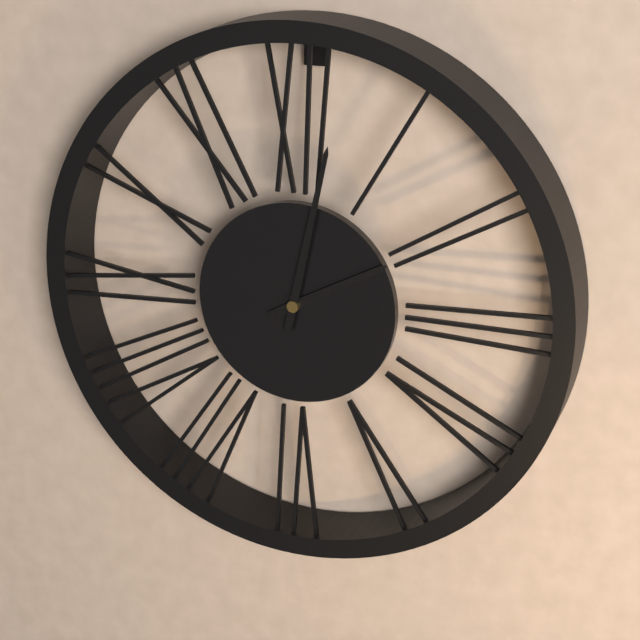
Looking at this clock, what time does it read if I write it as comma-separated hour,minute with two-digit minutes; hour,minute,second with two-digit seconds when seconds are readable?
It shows 2,02
